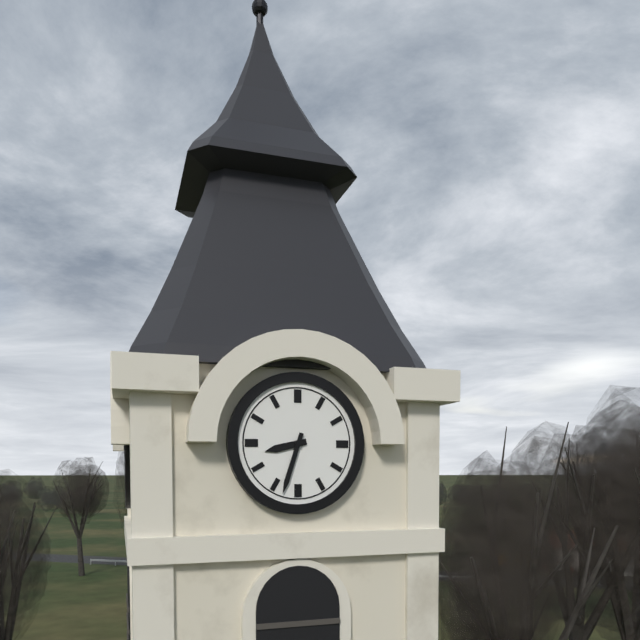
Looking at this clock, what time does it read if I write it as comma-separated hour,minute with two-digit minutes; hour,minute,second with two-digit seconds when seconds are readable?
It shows 8,33
